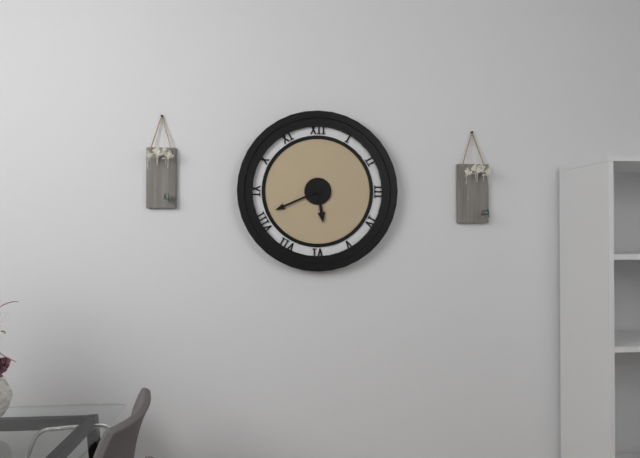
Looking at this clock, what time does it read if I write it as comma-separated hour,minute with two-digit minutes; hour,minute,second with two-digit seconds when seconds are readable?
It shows 5,41
